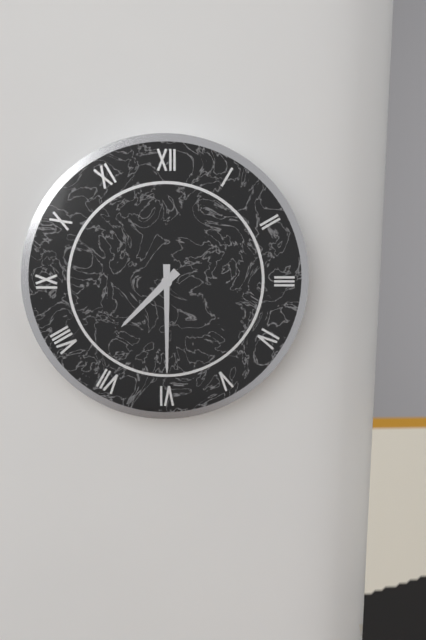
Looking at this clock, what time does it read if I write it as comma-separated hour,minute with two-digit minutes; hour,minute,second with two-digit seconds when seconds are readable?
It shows 7,30
